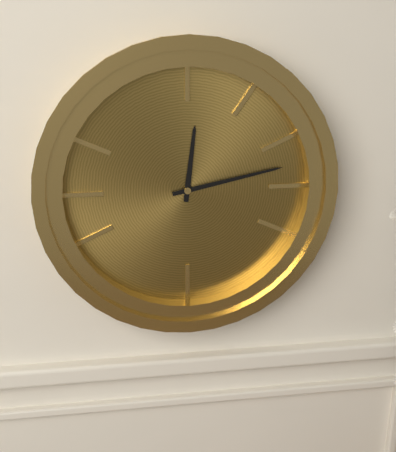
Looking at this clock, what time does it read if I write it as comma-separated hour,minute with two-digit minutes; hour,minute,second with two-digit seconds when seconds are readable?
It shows 12,13
